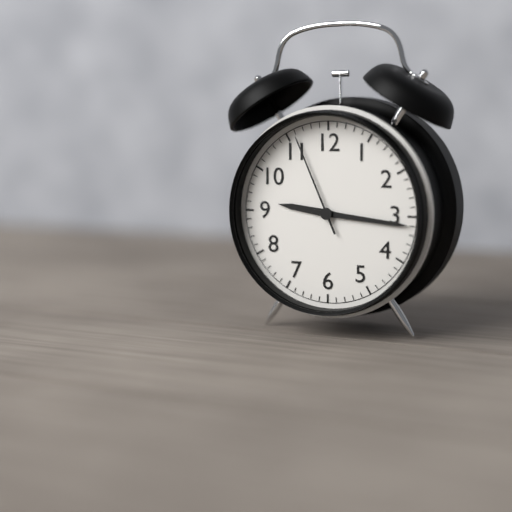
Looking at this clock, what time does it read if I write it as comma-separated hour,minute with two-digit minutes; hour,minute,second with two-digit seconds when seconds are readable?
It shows 9,16,56
